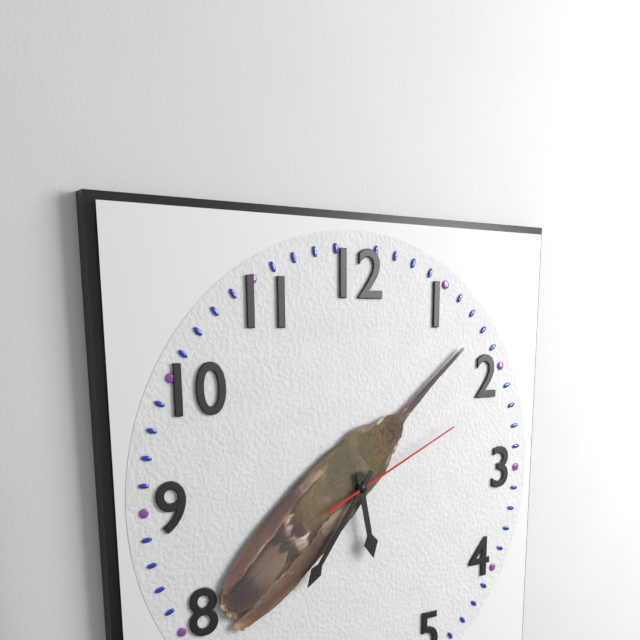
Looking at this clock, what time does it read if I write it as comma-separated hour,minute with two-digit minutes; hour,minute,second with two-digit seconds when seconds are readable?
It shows 5,36,11
